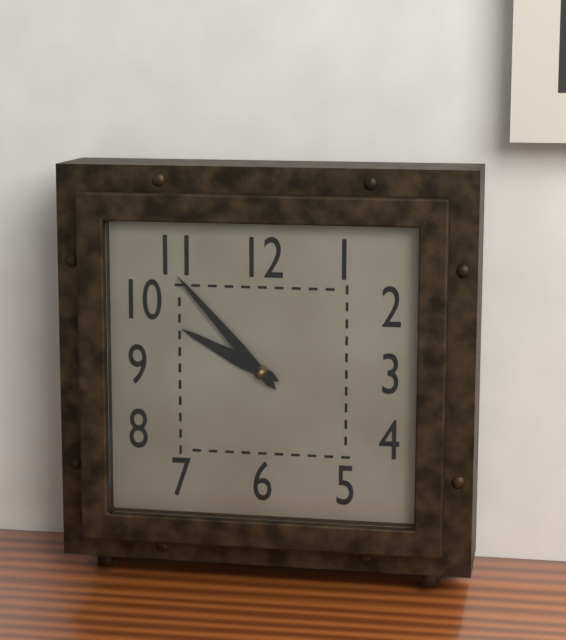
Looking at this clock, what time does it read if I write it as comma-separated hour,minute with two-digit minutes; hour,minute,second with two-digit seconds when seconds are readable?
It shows 9,53
